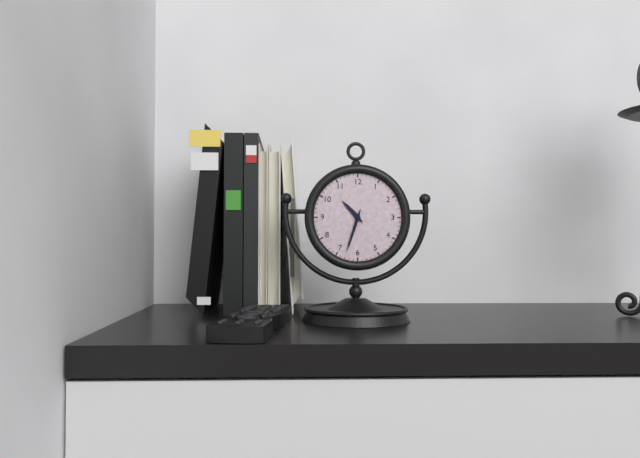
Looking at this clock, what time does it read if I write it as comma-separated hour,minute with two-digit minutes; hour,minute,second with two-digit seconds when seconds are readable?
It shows 10,33
